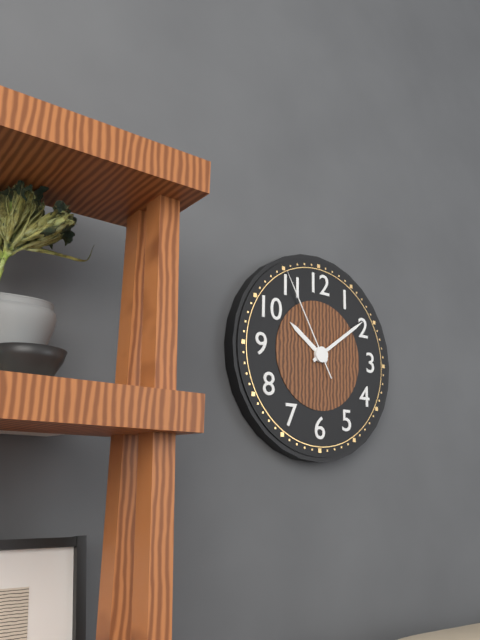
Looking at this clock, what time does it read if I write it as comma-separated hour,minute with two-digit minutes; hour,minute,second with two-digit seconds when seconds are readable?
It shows 10,09,55
